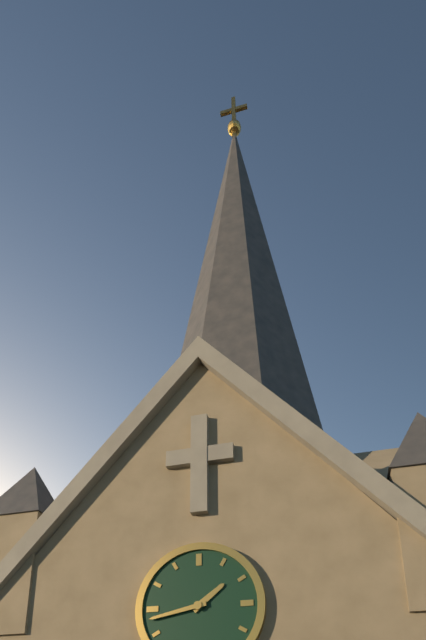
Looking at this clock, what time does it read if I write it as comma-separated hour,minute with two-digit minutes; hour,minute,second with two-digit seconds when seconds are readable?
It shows 1,43
